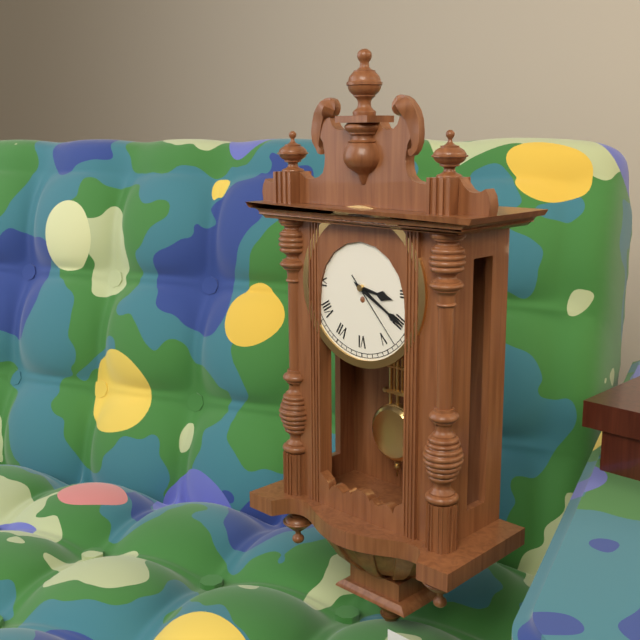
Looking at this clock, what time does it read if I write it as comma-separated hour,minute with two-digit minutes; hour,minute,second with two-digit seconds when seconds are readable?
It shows 3,20,23
